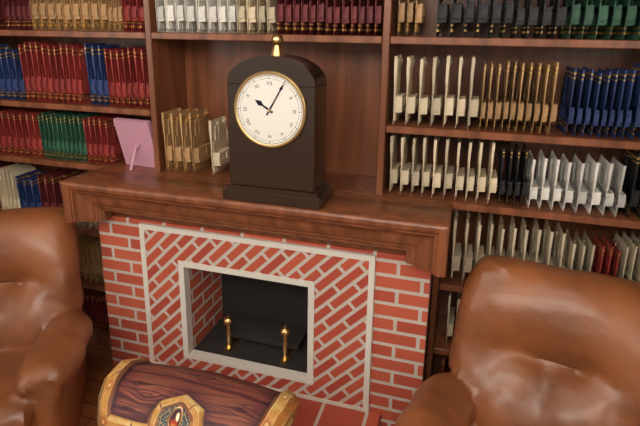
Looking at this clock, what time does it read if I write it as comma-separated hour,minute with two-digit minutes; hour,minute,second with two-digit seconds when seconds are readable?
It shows 10,05
